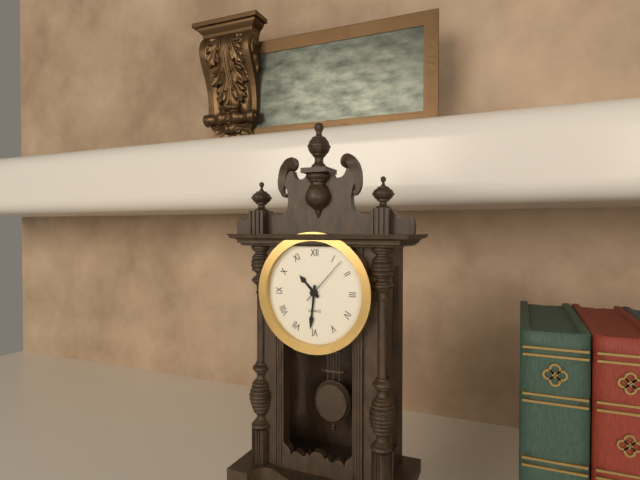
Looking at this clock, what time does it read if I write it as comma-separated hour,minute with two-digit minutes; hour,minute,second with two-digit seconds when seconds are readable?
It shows 10,31,07
